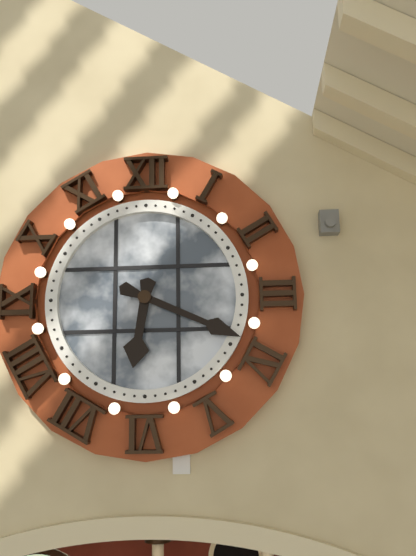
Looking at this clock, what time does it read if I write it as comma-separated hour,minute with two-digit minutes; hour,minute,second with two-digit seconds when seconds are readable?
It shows 6,19
